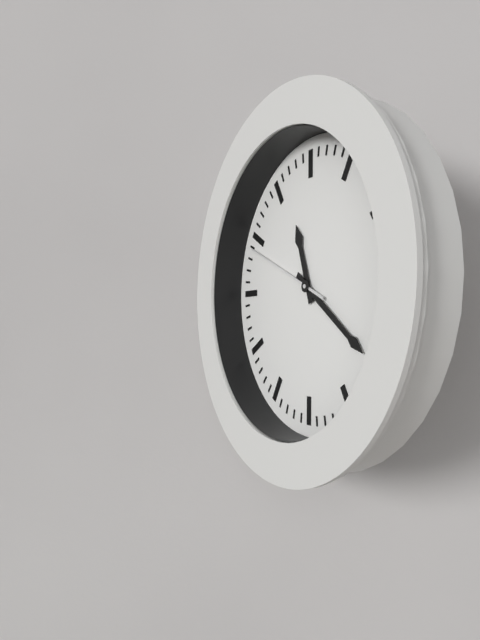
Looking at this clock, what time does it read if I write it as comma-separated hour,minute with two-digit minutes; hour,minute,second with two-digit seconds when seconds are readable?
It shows 11,21,49
